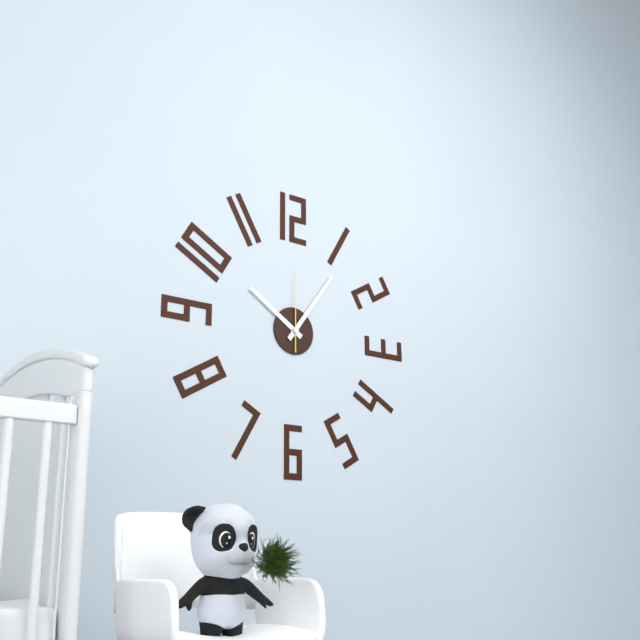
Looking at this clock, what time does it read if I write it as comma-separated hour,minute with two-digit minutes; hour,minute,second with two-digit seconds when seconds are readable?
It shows 10,06,00
